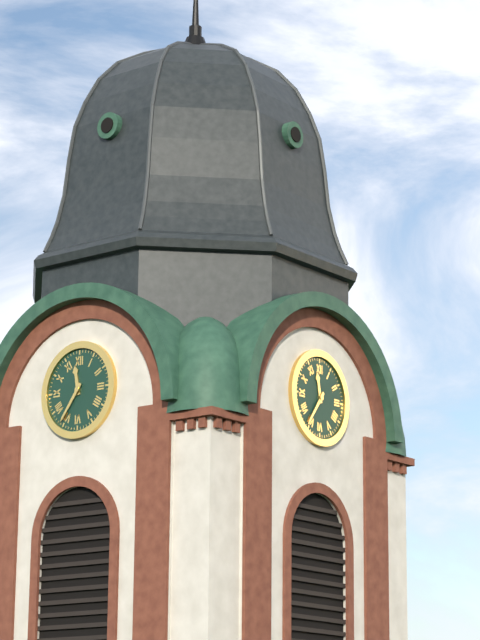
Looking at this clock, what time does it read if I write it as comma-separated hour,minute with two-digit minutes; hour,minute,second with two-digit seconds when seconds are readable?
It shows 11,36
